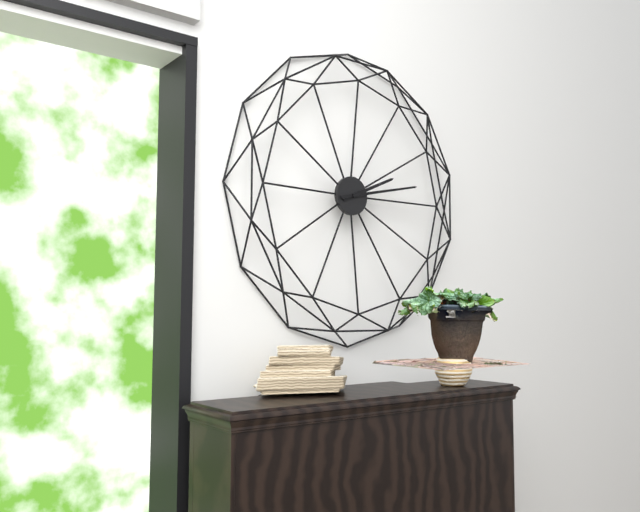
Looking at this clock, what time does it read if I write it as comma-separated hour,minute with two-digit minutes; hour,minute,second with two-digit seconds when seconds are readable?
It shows 2,13
